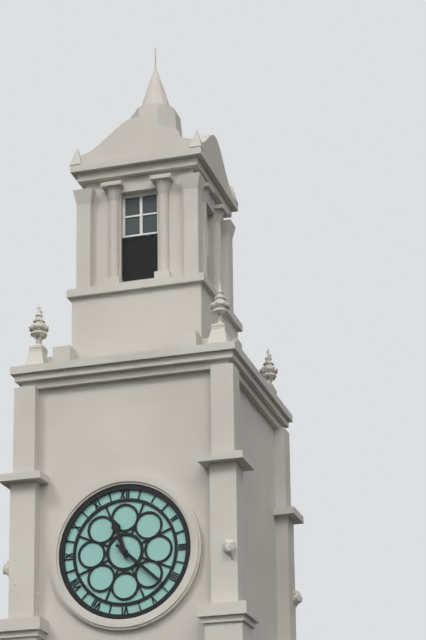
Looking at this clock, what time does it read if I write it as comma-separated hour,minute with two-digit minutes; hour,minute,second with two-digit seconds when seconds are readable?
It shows 11,22
